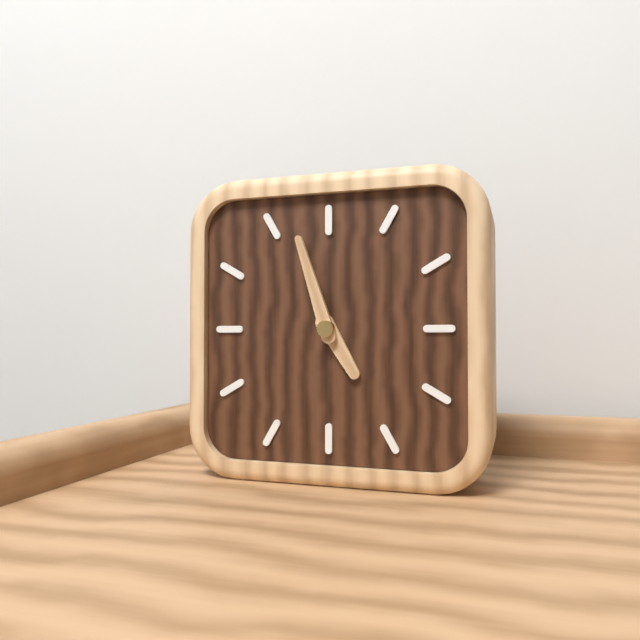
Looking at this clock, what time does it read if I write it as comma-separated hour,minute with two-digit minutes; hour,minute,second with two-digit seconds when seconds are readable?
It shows 4,57
